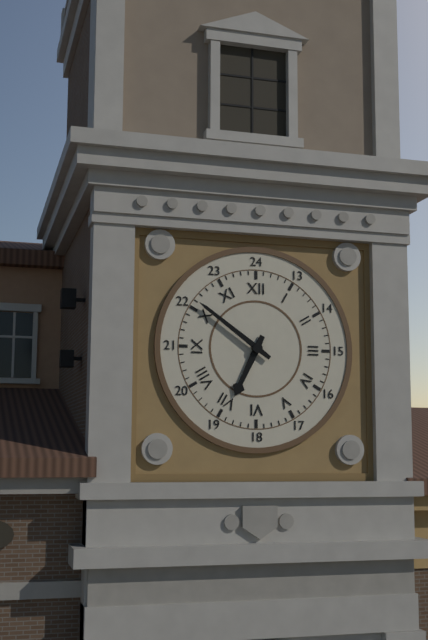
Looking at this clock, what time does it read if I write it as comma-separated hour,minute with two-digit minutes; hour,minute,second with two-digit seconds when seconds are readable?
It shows 6,51
